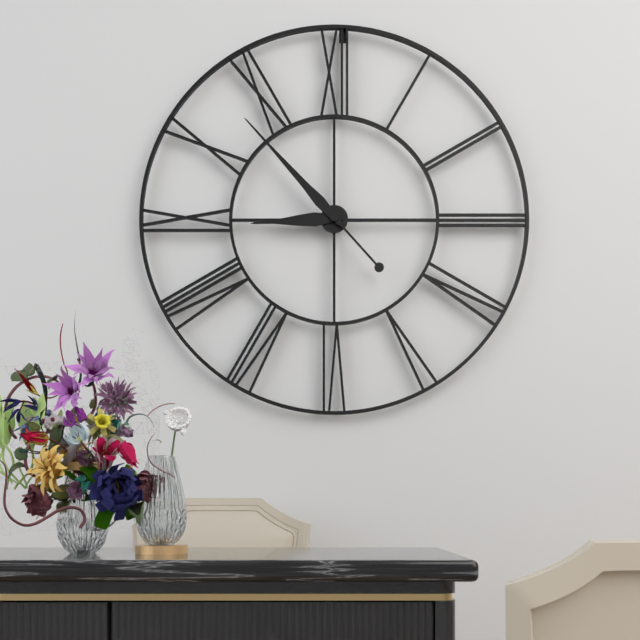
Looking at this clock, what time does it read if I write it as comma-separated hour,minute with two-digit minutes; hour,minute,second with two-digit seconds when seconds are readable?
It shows 8,53
